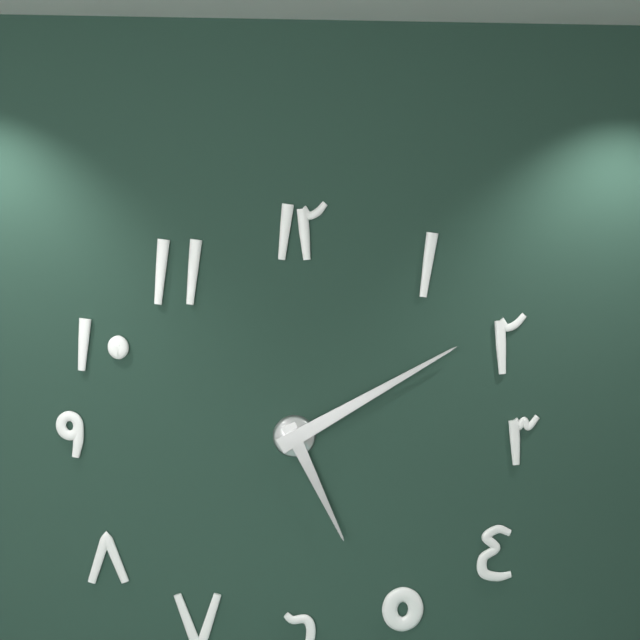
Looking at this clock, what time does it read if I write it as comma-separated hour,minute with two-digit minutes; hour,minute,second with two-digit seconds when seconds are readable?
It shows 5,10
